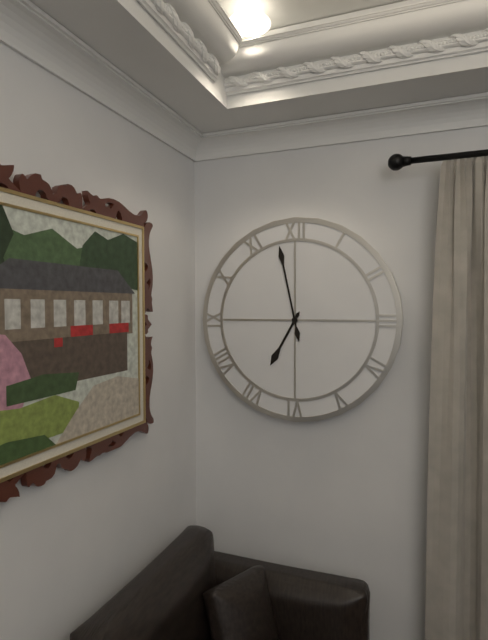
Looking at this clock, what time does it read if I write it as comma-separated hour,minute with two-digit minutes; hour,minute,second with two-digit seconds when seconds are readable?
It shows 6,58
